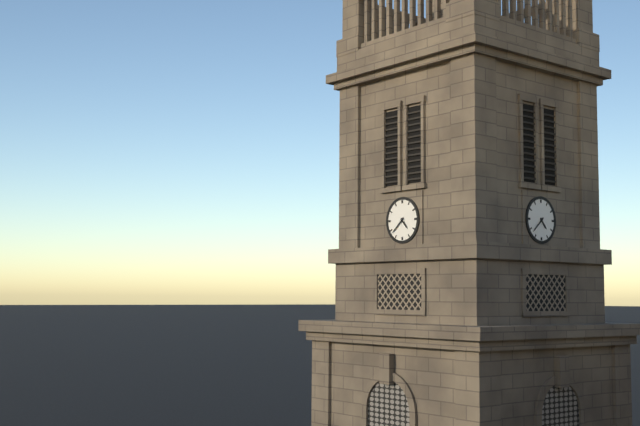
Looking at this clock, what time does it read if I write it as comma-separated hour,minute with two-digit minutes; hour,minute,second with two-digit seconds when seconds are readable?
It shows 4,38
